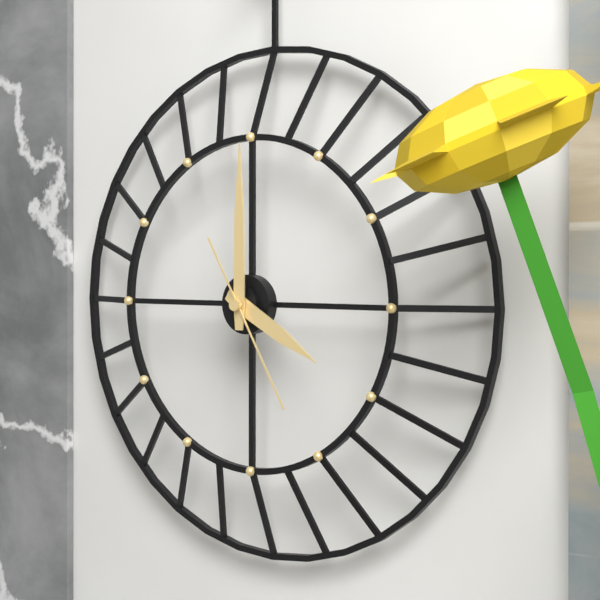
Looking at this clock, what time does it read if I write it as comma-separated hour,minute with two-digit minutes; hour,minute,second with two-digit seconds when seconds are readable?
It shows 4,00,25
